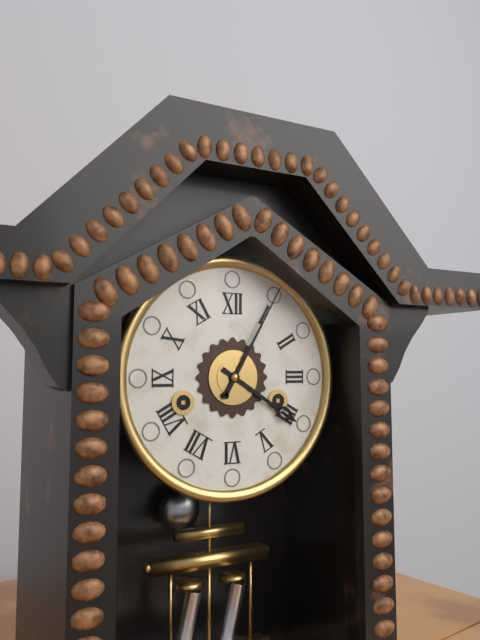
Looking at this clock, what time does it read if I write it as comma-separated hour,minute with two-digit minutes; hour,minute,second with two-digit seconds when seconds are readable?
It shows 4,05
